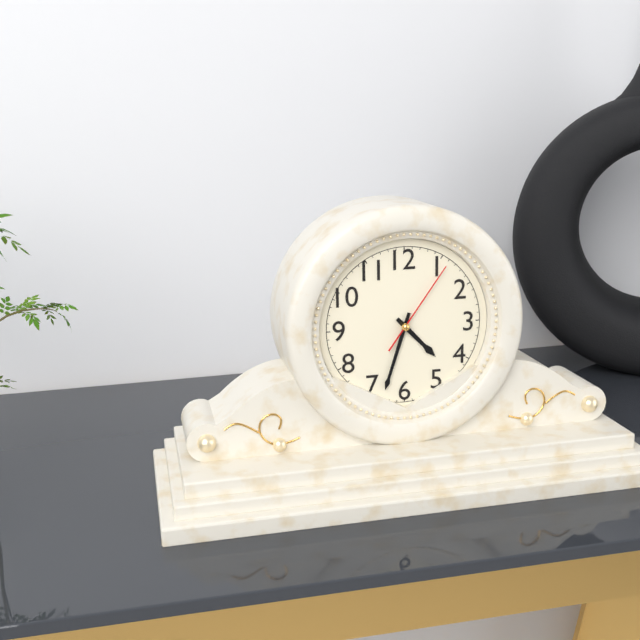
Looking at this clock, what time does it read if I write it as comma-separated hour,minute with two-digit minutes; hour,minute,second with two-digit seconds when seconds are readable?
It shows 4,33,06
